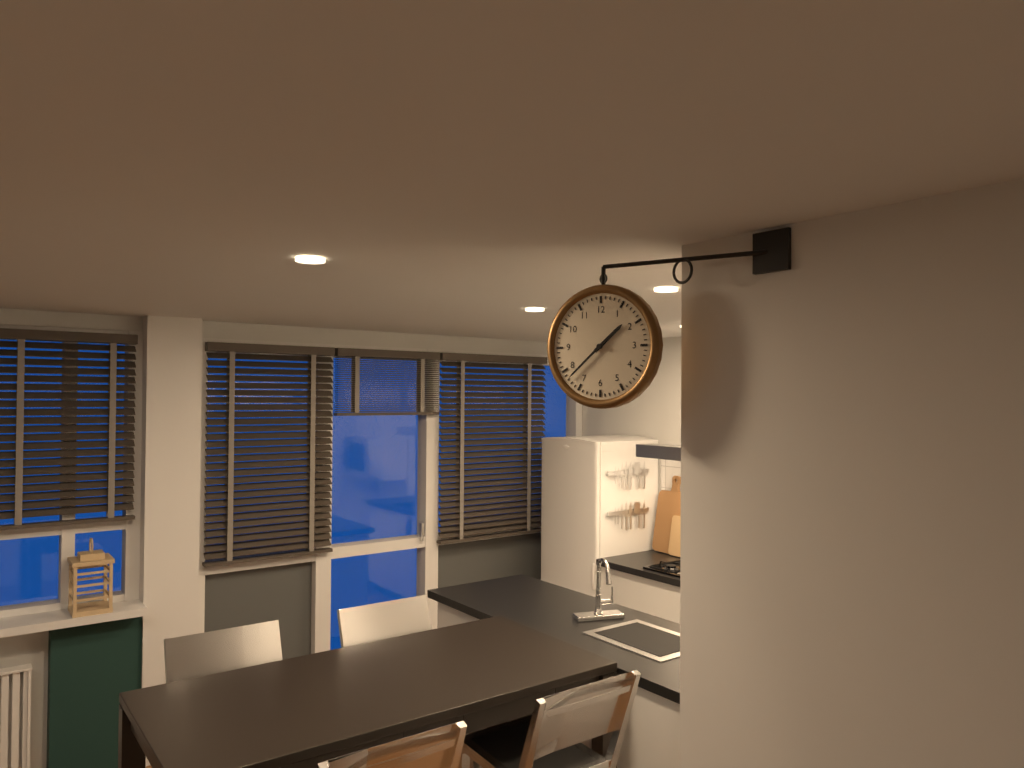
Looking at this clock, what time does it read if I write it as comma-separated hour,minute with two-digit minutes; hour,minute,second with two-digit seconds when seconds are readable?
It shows 1,38
